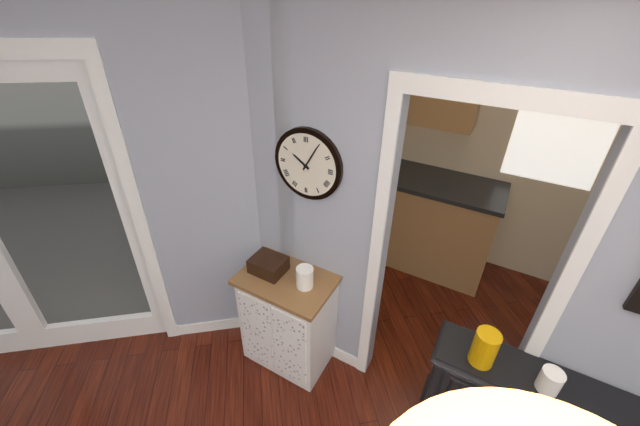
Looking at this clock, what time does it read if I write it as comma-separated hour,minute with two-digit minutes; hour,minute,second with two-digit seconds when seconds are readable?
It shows 10,05
